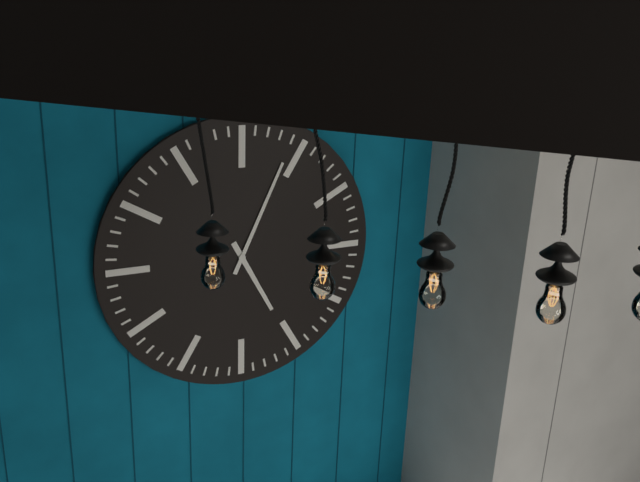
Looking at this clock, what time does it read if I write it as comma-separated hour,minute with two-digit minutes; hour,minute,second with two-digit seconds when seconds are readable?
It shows 5,04
